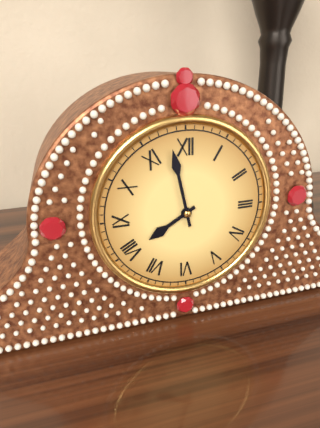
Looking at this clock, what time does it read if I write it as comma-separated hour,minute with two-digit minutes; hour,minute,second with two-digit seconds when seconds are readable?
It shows 7,58
